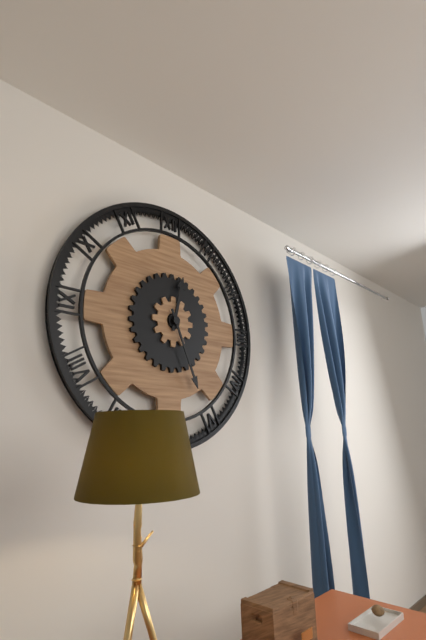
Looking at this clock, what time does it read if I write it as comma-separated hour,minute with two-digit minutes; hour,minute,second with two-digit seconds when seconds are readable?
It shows 12,26
